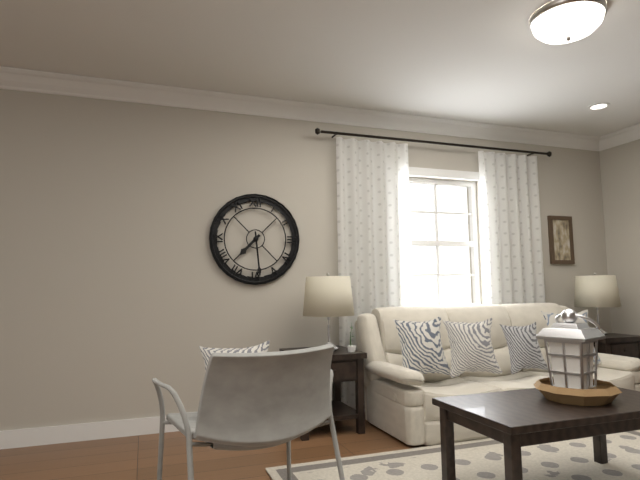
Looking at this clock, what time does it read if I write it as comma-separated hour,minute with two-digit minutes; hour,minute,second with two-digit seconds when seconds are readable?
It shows 7,29
